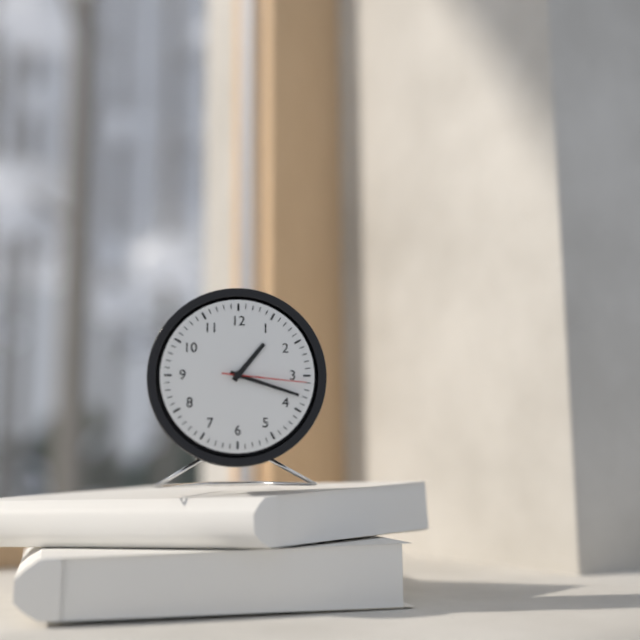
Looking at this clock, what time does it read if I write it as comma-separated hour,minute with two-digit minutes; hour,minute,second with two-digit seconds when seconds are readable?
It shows 1,18,16
